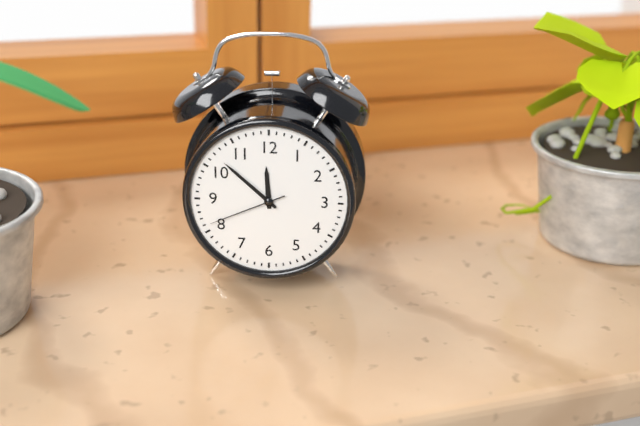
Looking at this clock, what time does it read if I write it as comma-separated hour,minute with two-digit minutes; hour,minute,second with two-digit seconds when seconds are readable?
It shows 11,52,41
